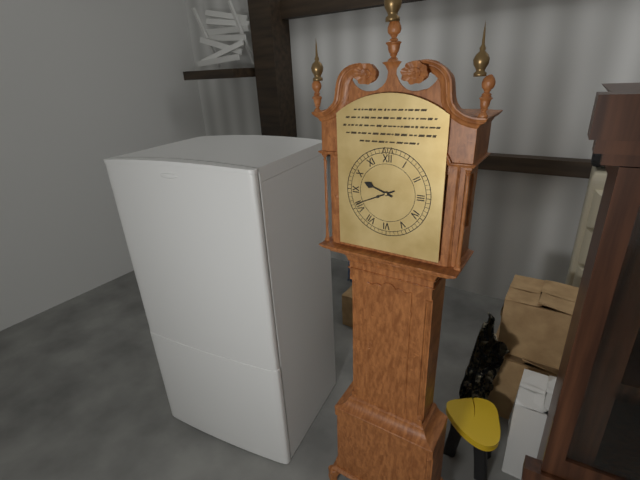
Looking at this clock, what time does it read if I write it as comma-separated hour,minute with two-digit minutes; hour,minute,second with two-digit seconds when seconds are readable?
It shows 9,41
